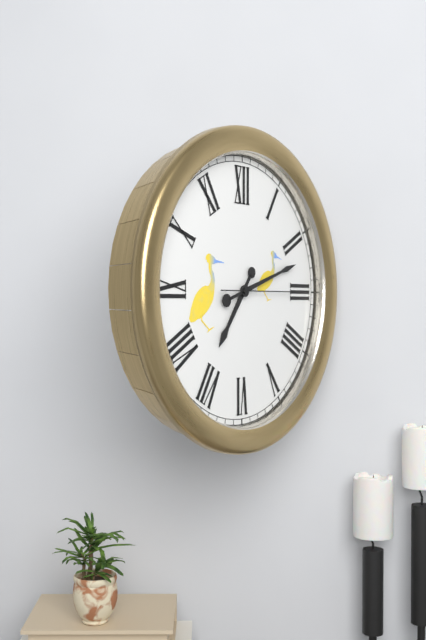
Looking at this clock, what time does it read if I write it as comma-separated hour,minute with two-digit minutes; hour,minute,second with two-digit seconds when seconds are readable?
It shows 7,12,15
